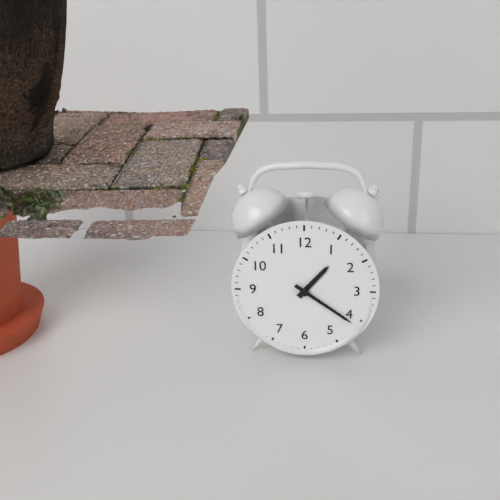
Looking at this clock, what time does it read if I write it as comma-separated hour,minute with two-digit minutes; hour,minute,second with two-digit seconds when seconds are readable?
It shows 1,21
